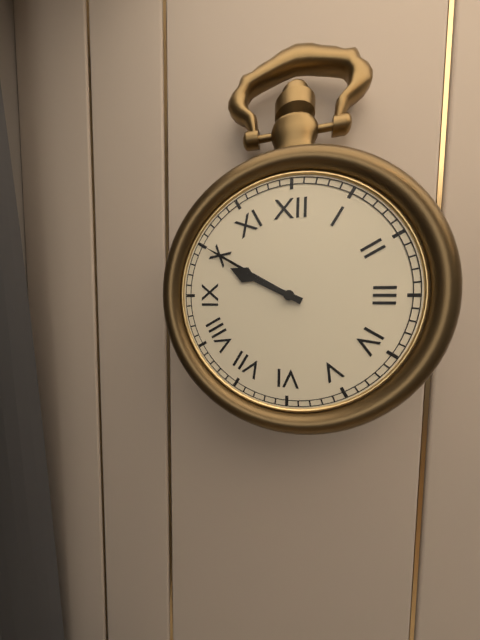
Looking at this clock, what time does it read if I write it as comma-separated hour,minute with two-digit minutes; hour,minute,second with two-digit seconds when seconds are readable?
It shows 9,50
